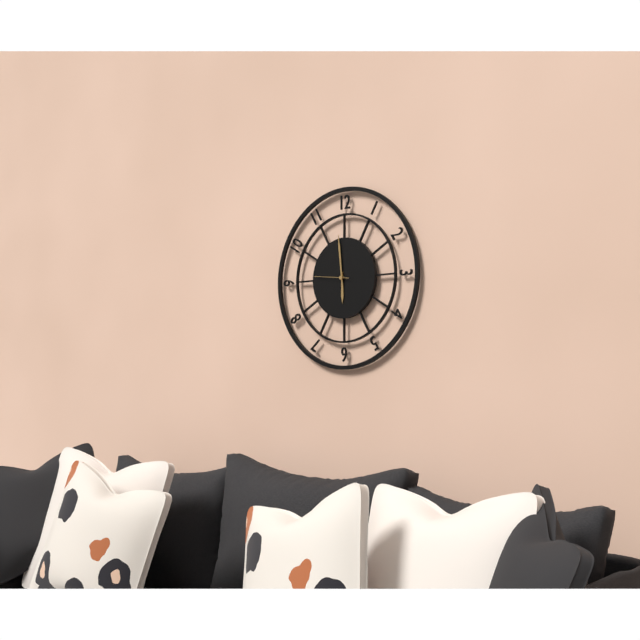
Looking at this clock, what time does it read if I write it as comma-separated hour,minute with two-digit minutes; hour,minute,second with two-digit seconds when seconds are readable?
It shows 5,59
